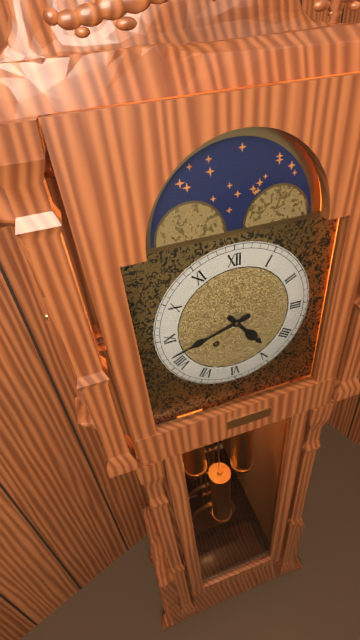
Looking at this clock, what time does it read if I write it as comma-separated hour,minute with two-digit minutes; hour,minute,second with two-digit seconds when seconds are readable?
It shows 4,42
